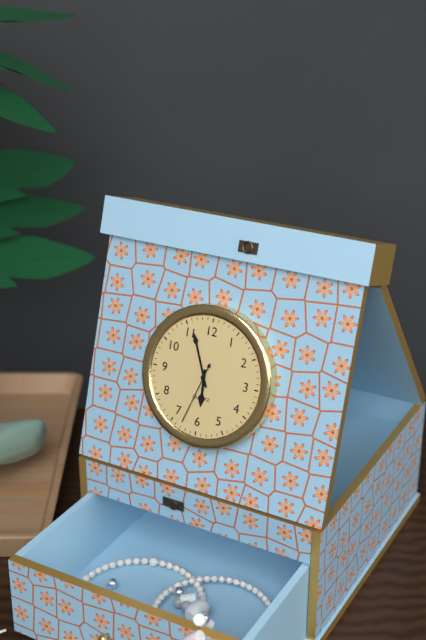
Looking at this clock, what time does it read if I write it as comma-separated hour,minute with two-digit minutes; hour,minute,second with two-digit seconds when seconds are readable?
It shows 5,56,33
